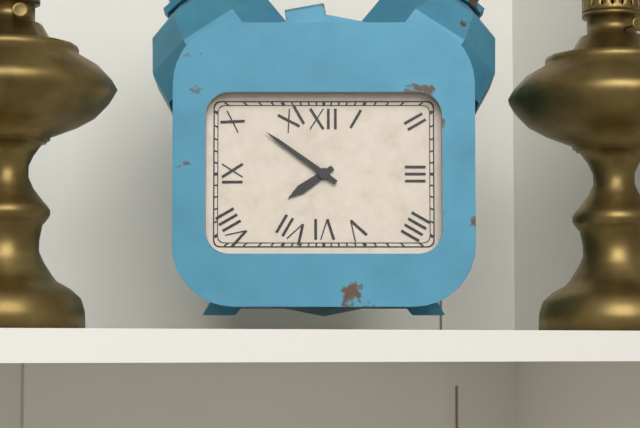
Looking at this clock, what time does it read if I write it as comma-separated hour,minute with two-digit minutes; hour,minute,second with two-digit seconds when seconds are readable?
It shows 7,51
